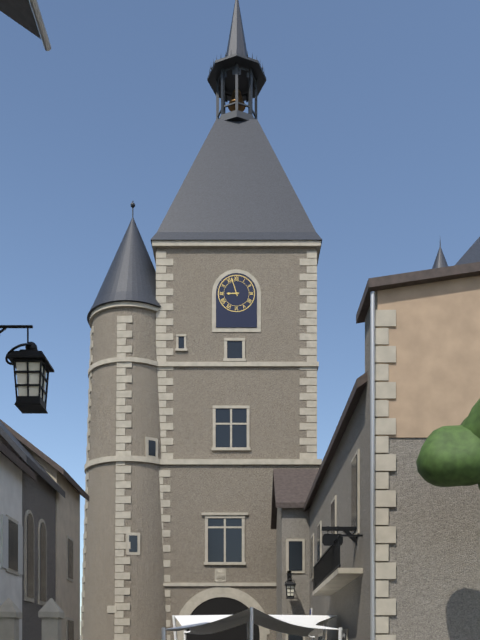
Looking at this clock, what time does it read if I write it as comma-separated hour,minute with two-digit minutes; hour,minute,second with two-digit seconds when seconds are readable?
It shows 8,57
